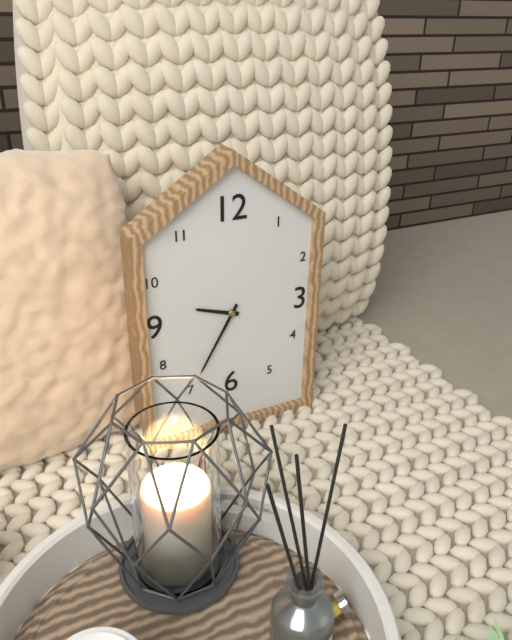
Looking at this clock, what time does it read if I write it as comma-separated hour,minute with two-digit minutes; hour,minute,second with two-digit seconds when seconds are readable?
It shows 9,35
